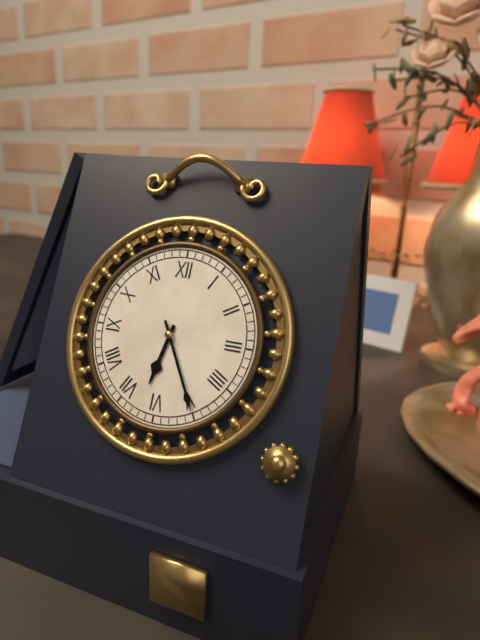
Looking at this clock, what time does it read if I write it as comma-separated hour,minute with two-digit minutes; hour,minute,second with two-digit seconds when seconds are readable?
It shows 6,25
